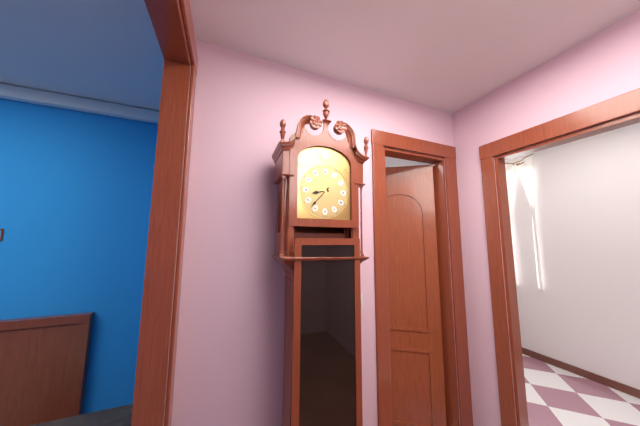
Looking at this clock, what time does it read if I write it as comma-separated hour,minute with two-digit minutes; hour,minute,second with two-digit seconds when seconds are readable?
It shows 8,37
